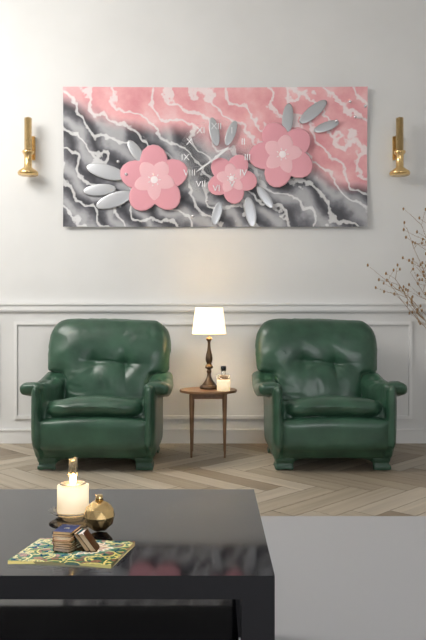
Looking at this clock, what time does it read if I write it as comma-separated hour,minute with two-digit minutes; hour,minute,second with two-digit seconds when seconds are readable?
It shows 1,39
